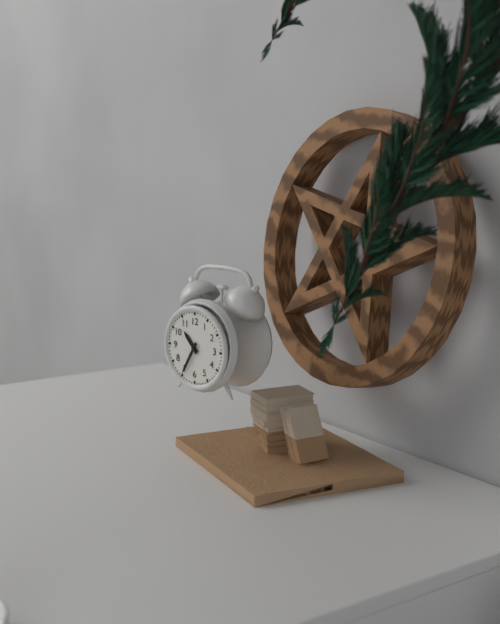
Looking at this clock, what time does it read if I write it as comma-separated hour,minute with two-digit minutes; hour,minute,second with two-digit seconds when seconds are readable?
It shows 10,35
